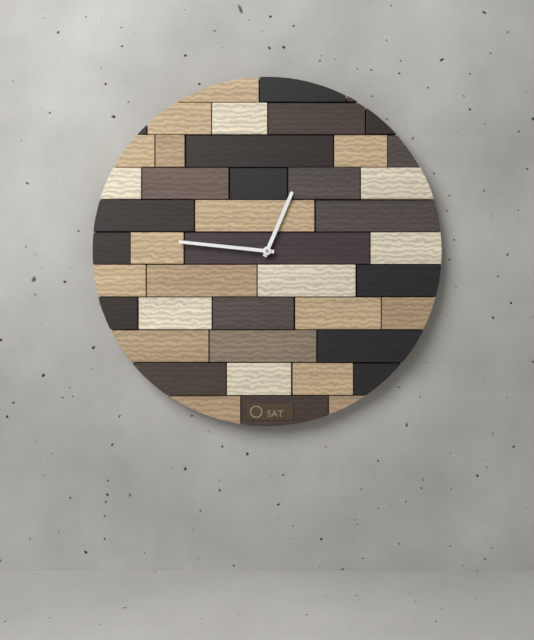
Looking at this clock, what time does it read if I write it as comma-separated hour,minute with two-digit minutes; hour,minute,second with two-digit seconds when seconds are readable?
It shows 12,46
